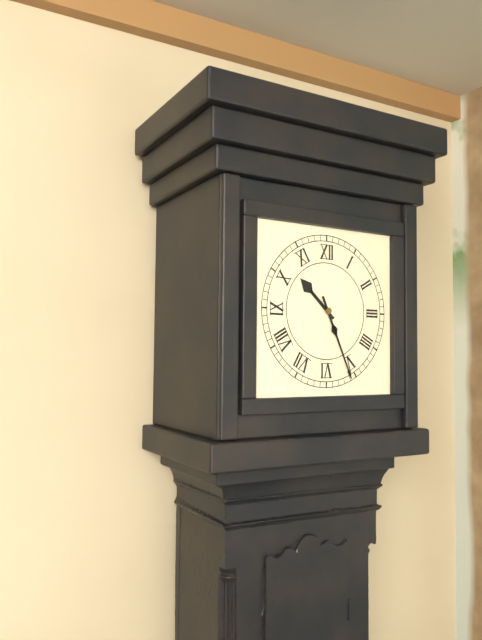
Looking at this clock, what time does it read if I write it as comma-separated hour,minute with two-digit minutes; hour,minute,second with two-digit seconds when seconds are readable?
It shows 10,26
